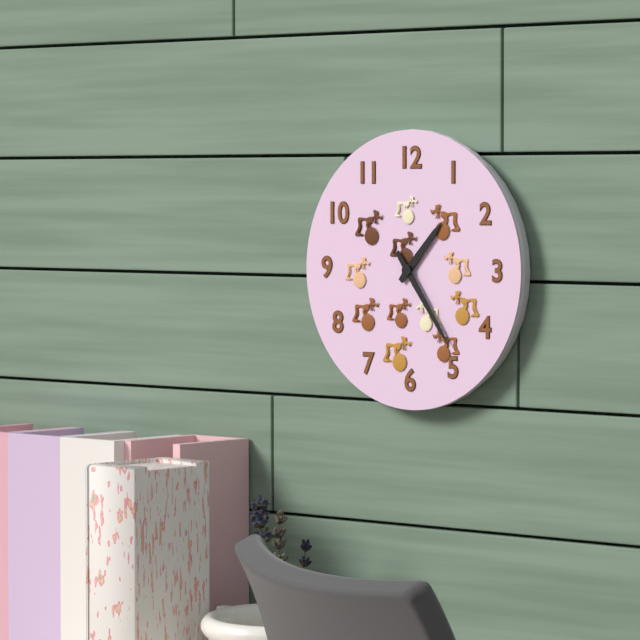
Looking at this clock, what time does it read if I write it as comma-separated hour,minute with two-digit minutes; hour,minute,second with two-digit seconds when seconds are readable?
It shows 1,24
